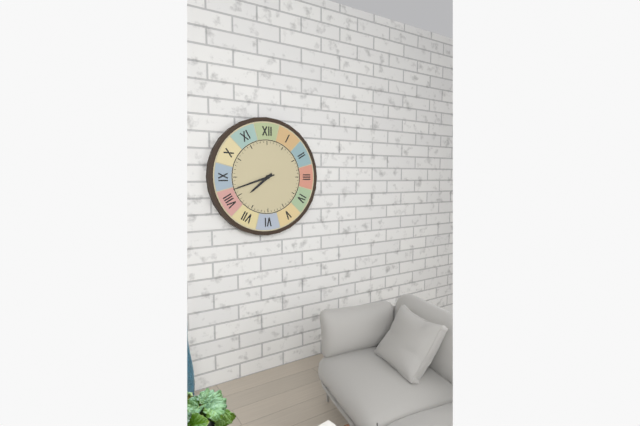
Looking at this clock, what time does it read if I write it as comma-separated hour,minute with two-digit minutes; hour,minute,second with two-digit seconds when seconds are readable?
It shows 7,42
